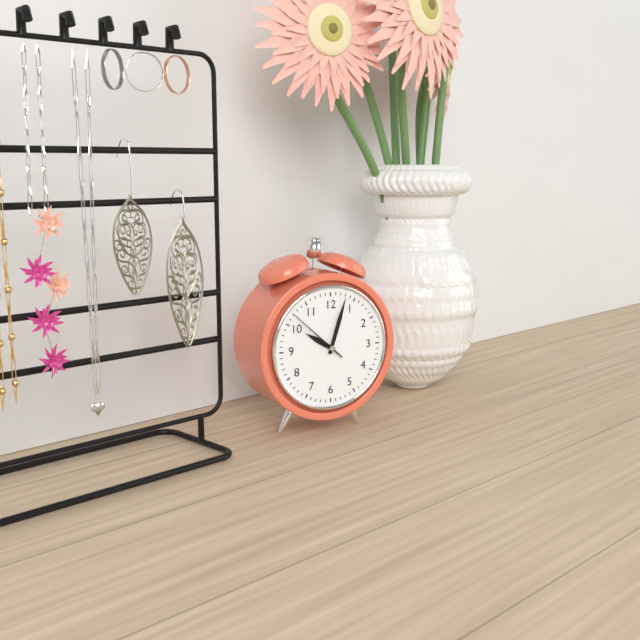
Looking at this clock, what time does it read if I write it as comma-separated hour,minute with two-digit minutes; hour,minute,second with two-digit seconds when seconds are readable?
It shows 10,03,52
